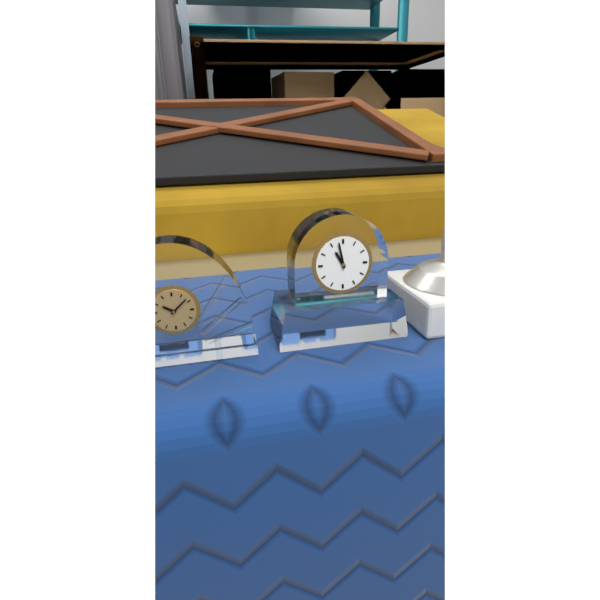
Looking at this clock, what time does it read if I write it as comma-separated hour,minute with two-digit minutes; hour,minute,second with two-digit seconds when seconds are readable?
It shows 10,58
